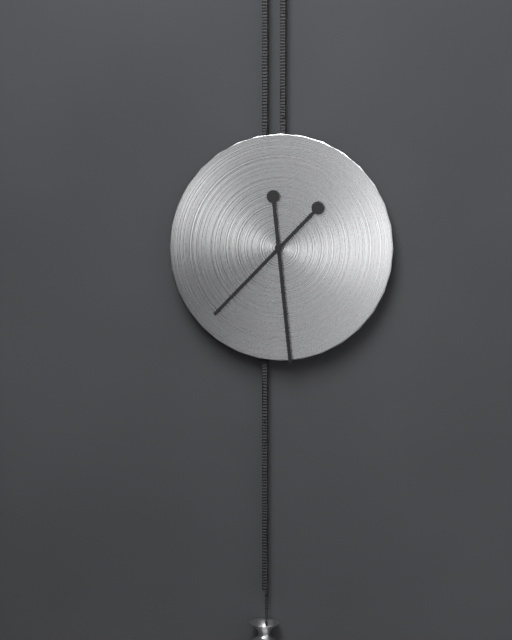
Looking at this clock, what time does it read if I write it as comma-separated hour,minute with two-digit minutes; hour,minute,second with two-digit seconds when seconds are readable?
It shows 7,29
